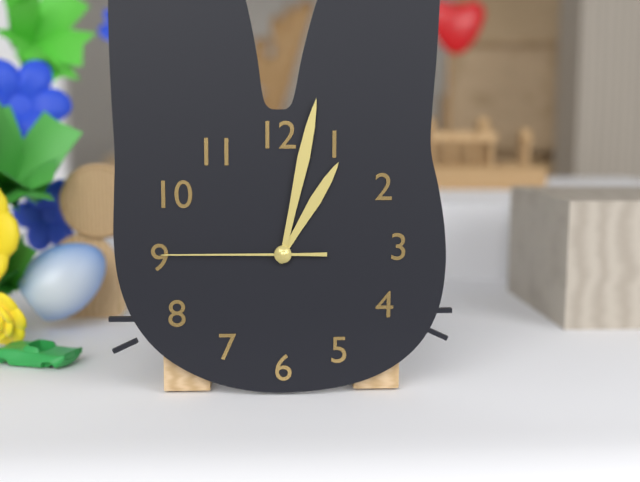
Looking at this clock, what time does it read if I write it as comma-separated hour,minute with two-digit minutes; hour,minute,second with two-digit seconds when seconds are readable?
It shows 1,02,45
